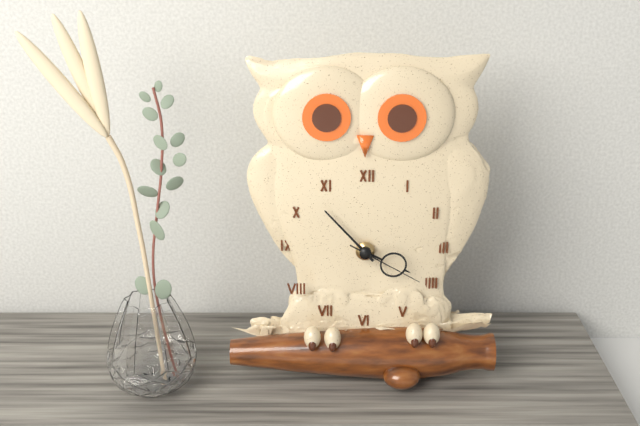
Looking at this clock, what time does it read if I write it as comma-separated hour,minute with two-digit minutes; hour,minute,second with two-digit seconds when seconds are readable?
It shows 3,53,20
